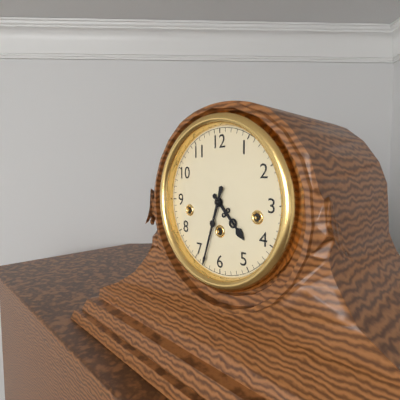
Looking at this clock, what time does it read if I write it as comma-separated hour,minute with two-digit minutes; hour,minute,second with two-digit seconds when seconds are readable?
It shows 4,33
